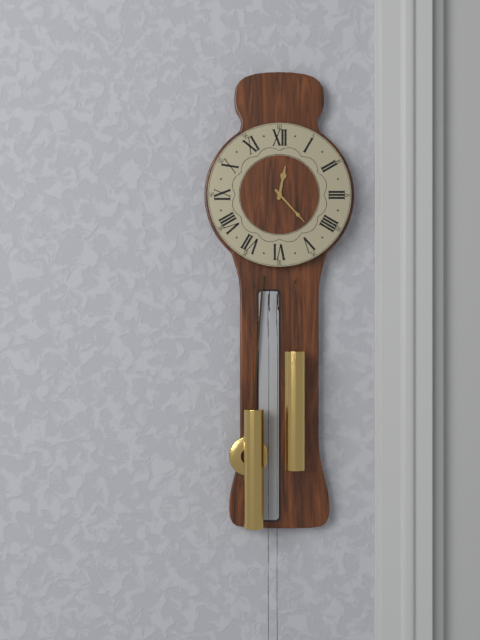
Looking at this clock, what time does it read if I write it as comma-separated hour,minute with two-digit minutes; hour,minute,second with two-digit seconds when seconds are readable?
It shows 12,23
